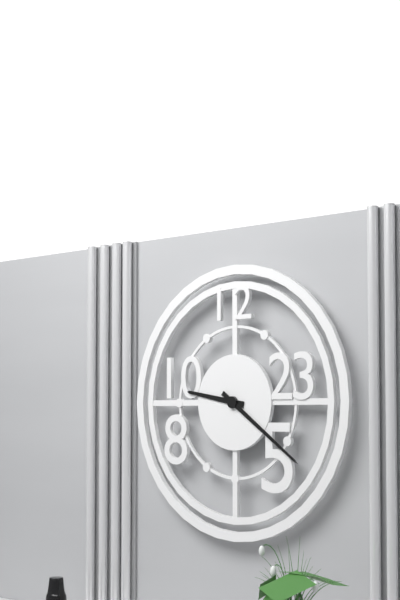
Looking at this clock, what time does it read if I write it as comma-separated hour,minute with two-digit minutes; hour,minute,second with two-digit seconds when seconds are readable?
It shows 9,21
